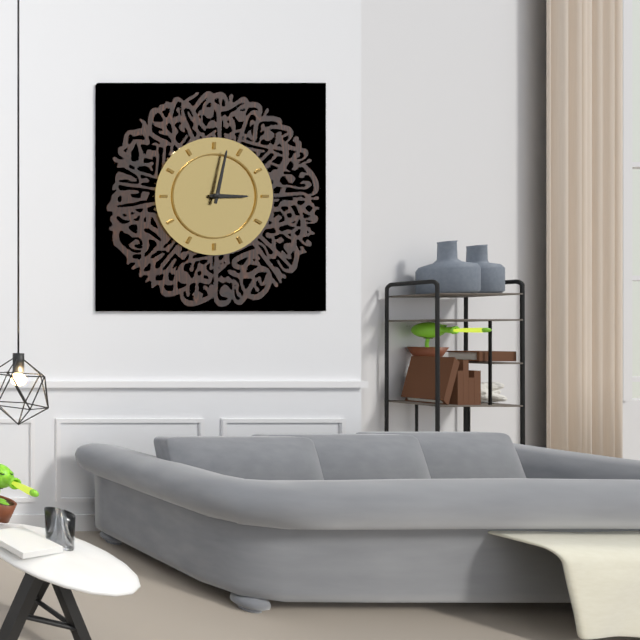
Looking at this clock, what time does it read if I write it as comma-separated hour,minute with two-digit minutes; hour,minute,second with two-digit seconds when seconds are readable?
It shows 3,02
